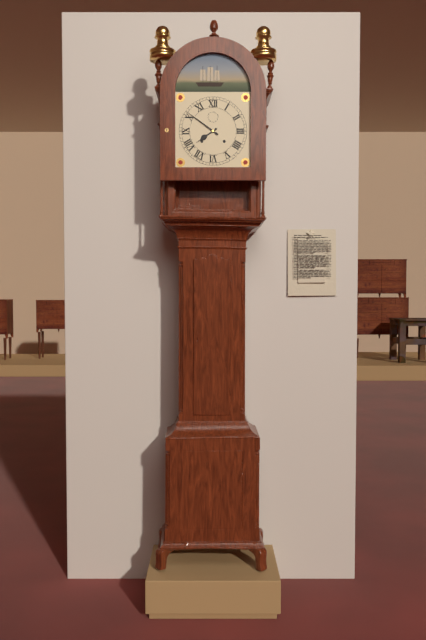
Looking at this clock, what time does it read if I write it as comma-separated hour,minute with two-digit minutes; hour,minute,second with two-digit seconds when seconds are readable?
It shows 7,51
